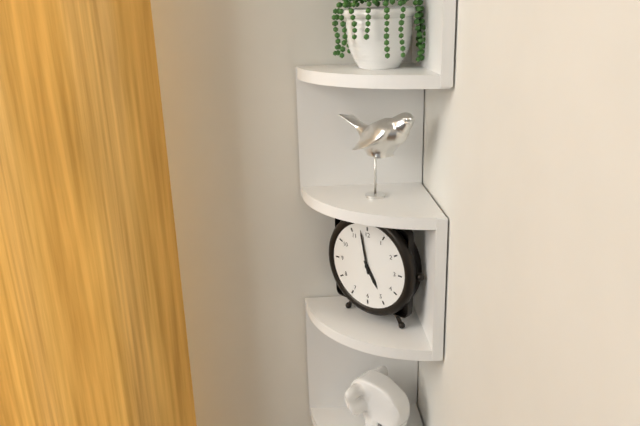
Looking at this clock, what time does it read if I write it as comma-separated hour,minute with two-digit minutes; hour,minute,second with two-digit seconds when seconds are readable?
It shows 4,58
